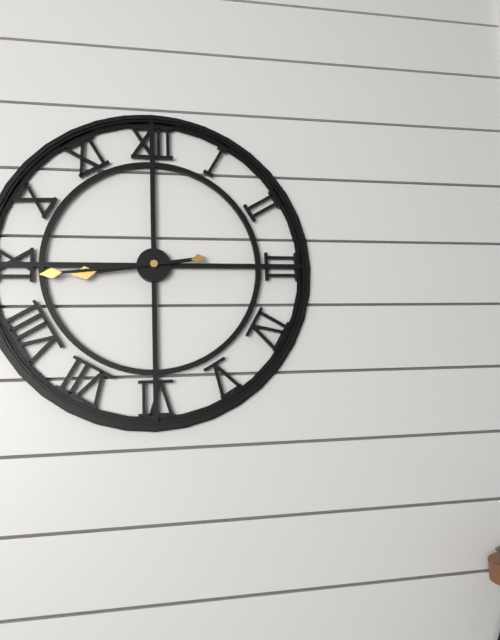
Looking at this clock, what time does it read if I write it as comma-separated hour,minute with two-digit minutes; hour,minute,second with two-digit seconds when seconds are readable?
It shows 8,44
